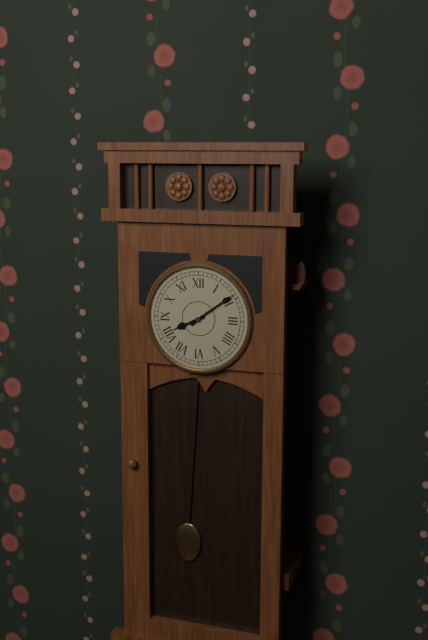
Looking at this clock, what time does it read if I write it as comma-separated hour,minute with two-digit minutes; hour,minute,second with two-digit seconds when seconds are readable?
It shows 8,09
